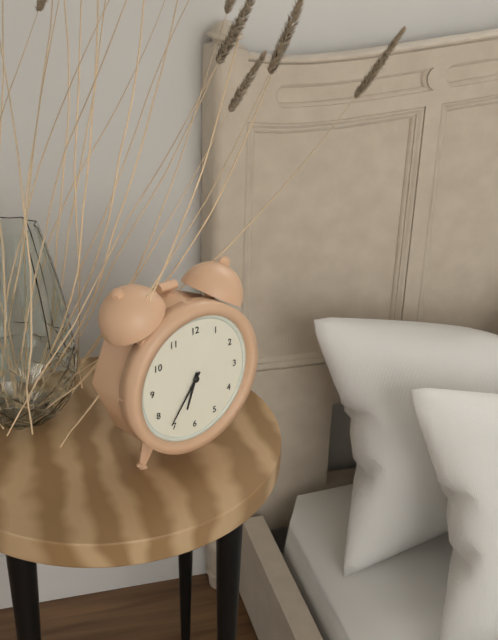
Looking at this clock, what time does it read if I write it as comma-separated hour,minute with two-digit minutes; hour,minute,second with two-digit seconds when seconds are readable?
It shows 6,36
